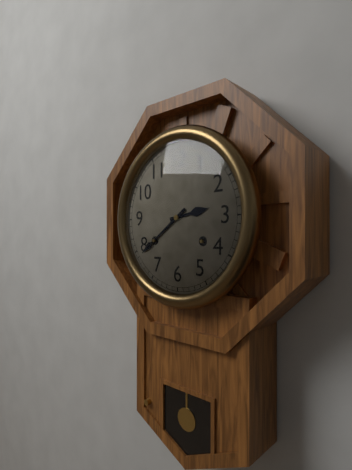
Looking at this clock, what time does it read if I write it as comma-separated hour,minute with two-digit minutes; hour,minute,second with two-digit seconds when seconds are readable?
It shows 2,39
